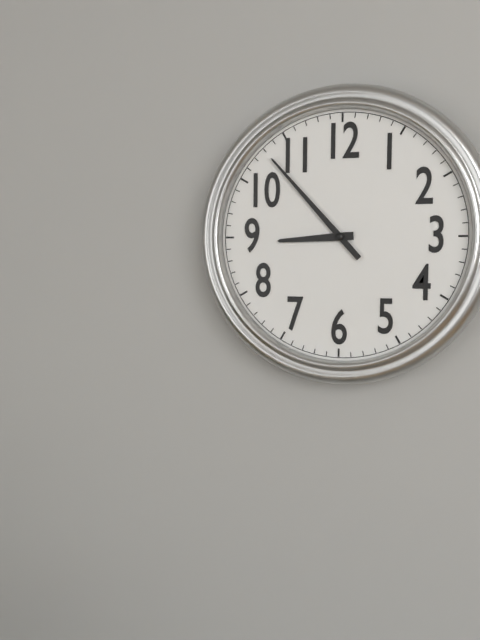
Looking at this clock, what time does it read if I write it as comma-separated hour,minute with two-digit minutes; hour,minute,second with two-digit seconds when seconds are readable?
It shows 8,53
